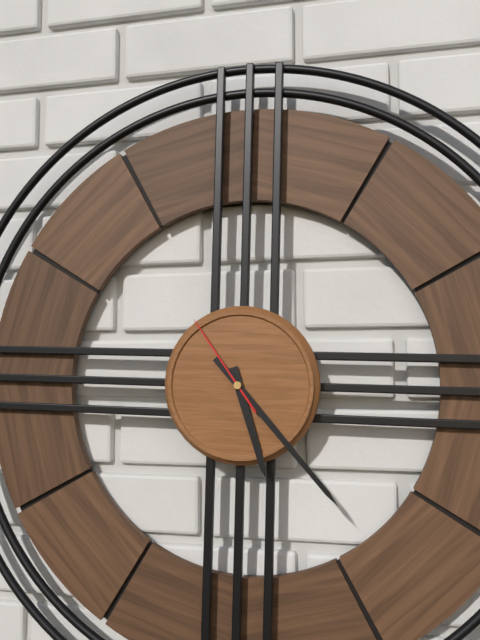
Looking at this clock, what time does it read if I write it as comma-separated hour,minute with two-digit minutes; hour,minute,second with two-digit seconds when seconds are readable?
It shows 5,23,54
